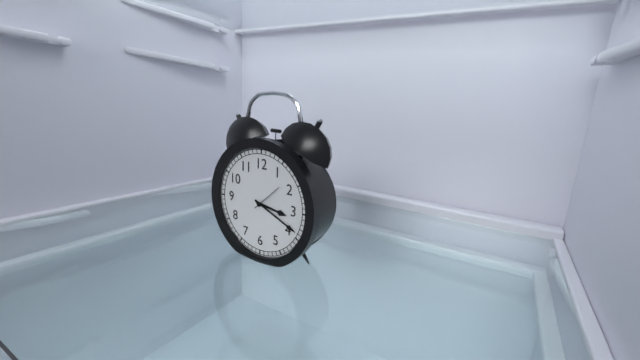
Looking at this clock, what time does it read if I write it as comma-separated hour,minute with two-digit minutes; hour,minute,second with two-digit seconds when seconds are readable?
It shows 3,19
